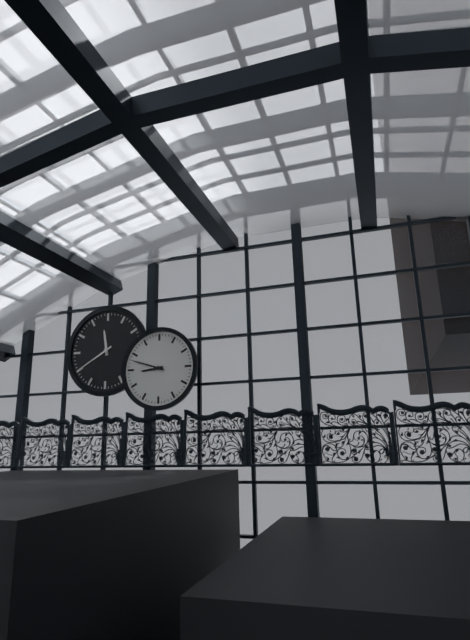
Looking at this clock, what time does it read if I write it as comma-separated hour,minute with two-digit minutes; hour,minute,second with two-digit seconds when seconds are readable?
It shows 8,48
